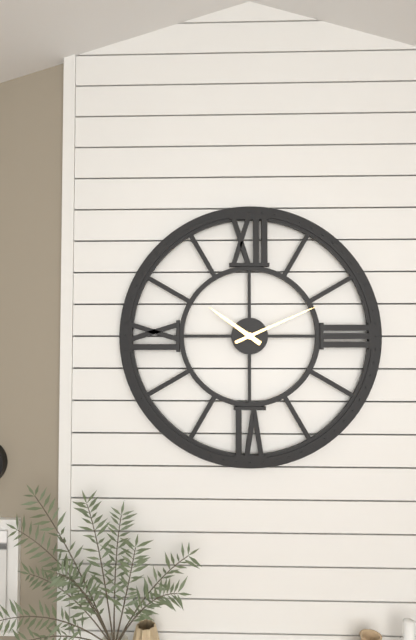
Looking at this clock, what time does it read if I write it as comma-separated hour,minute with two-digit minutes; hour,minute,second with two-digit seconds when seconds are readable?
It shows 10,11
